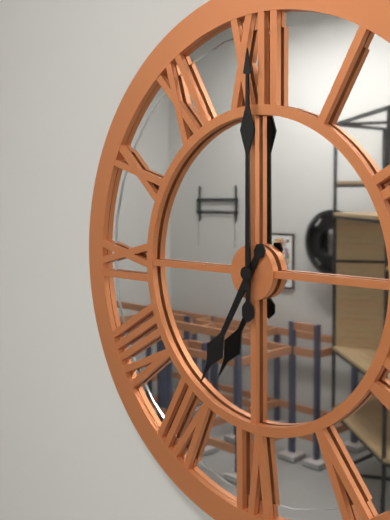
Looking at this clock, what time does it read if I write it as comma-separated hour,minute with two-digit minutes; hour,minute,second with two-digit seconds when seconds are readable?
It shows 7,00
